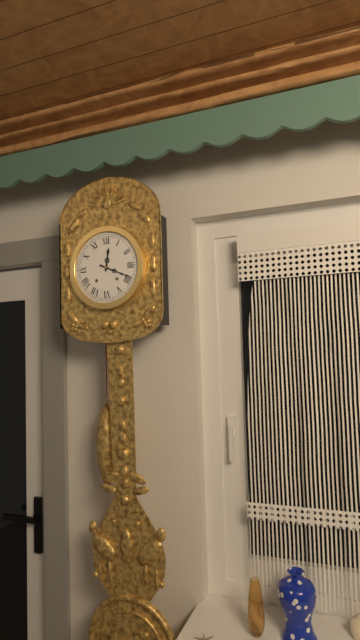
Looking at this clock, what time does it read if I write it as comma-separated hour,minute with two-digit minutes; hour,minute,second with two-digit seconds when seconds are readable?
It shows 12,19
